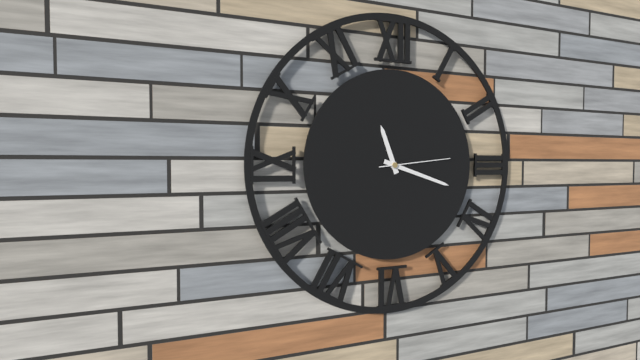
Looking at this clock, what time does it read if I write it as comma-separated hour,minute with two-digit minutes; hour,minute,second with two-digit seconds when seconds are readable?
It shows 11,18,14
